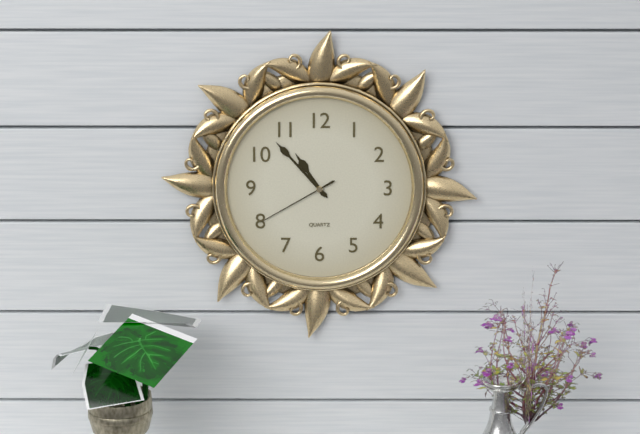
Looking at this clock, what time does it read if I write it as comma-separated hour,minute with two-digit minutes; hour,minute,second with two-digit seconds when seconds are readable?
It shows 10,53,40
